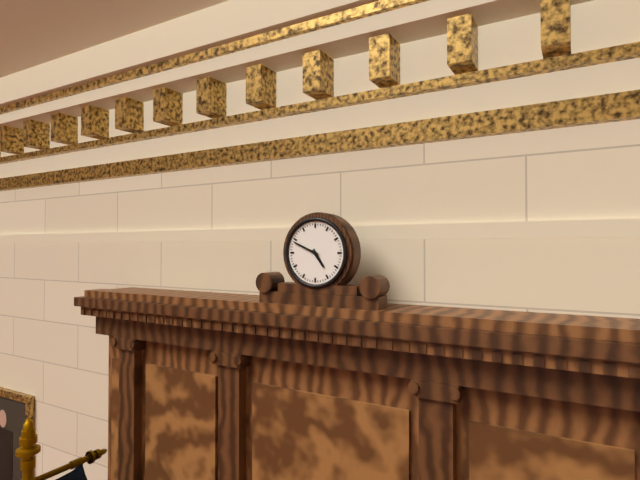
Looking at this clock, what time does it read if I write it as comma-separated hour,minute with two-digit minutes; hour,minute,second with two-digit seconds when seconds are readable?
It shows 4,49
